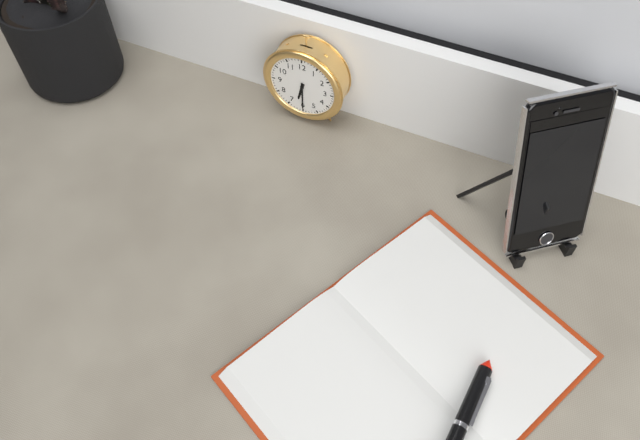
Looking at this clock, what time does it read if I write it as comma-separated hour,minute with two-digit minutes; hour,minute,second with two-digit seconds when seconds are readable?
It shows 6,30
